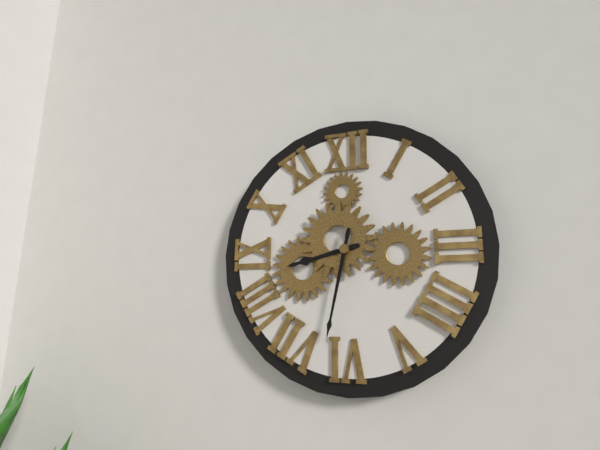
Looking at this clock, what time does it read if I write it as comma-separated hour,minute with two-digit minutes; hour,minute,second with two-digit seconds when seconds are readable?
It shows 8,32
